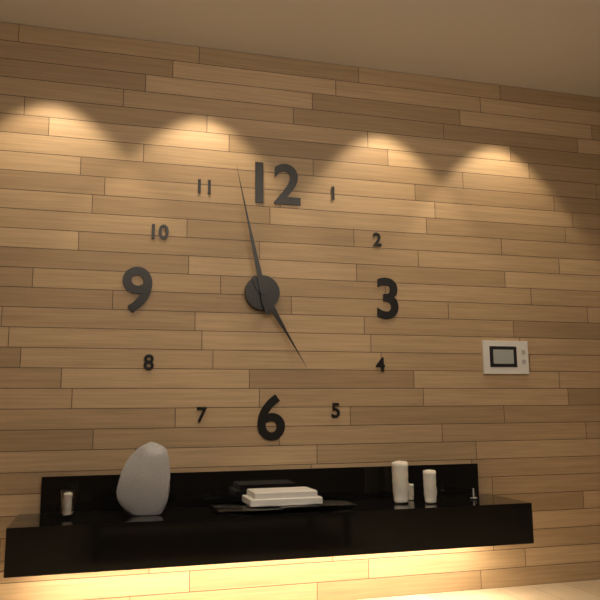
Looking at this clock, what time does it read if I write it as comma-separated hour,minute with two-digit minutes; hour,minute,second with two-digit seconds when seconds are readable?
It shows 4,58
